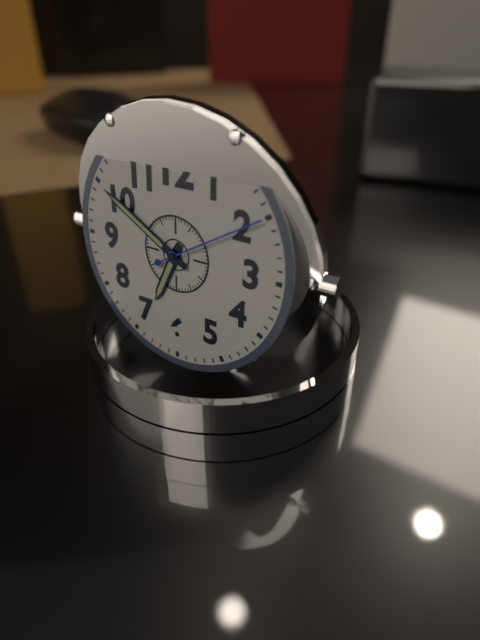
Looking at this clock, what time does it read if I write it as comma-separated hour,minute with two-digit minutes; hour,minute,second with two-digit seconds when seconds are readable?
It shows 6,50,10
